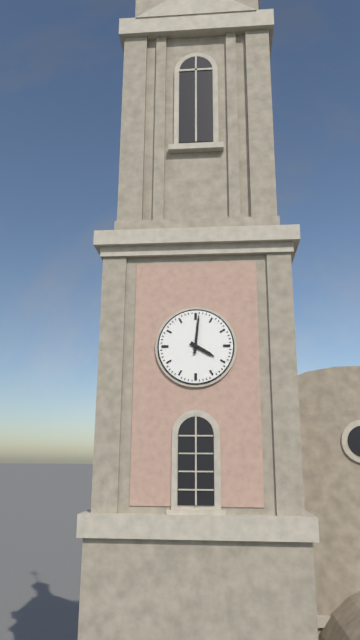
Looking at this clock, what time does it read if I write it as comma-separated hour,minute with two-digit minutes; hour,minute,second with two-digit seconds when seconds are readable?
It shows 4,01
